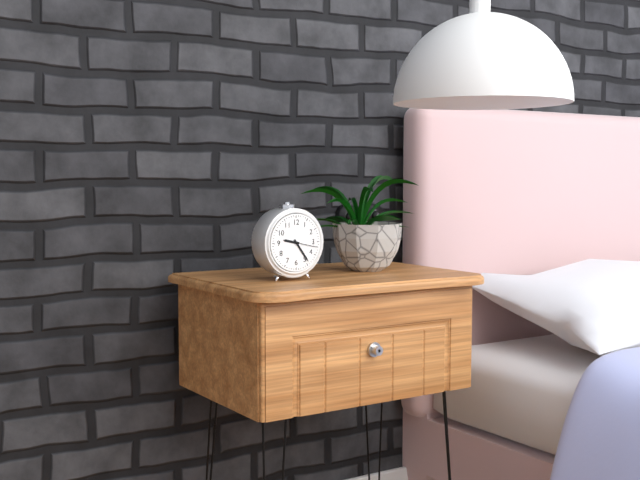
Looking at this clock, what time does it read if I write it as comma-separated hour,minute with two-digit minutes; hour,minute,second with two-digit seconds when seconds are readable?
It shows 9,24
